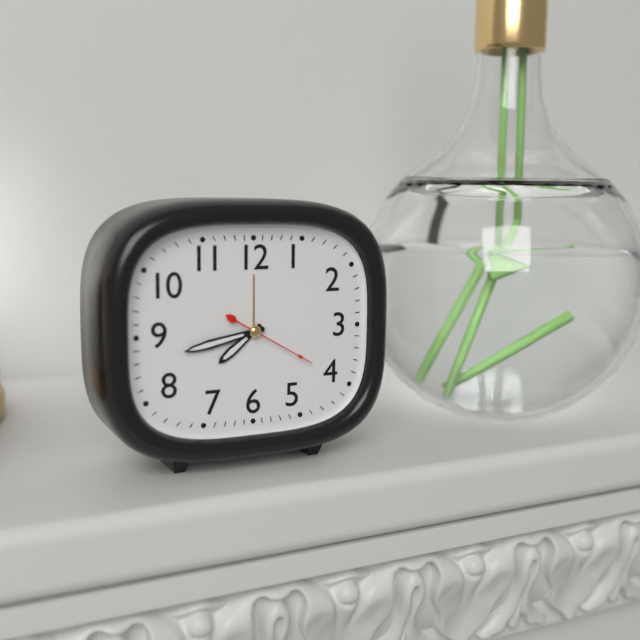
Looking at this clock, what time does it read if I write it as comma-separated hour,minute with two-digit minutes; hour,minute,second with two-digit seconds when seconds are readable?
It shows 7,43,20
